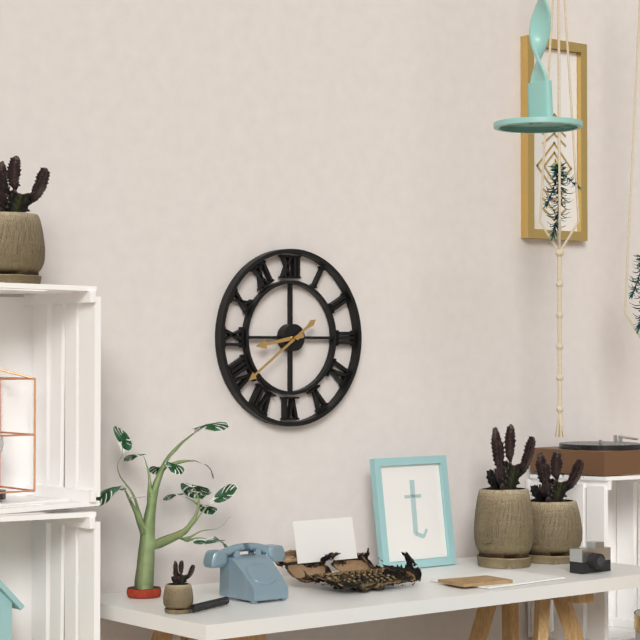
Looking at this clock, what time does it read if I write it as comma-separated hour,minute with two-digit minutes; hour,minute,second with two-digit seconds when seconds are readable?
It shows 8,39
